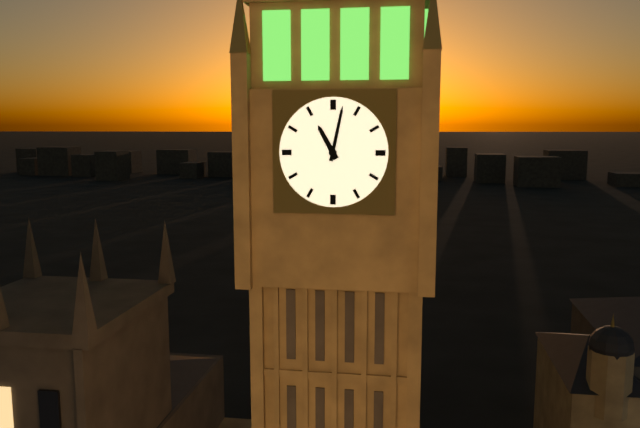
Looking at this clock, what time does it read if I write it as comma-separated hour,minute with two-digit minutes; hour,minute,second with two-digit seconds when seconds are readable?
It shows 11,02
